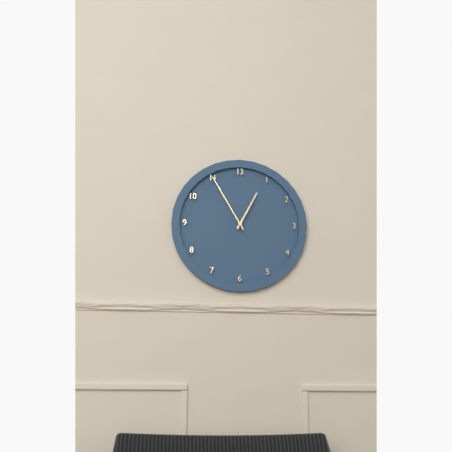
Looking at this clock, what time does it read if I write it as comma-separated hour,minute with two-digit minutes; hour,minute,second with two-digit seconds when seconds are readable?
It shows 12,55
